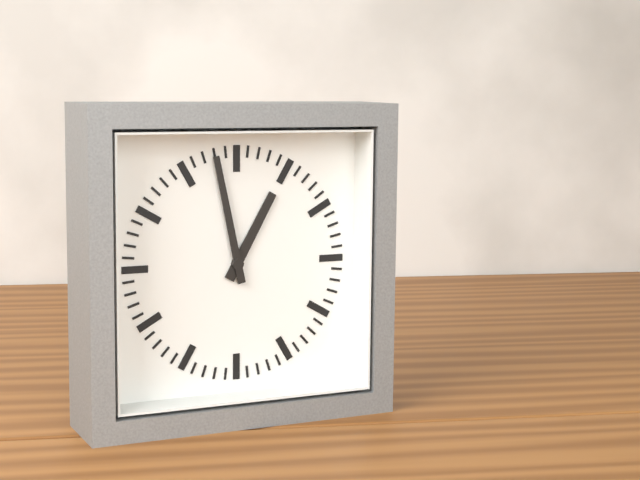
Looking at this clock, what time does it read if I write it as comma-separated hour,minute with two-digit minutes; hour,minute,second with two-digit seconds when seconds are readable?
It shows 12,58
